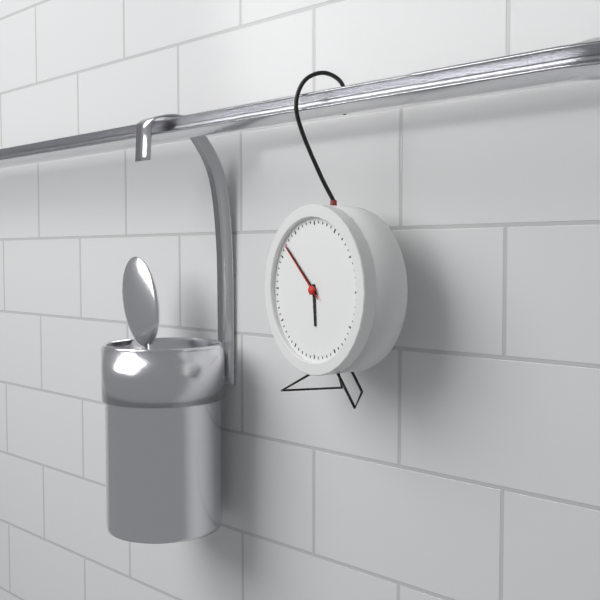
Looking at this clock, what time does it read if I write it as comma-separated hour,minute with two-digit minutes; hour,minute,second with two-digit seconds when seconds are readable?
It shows 5,52,52
